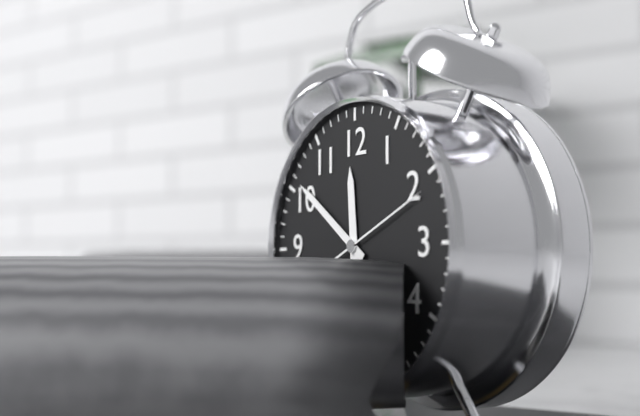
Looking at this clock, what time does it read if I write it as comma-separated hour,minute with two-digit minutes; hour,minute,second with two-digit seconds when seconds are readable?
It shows 11,51,11
